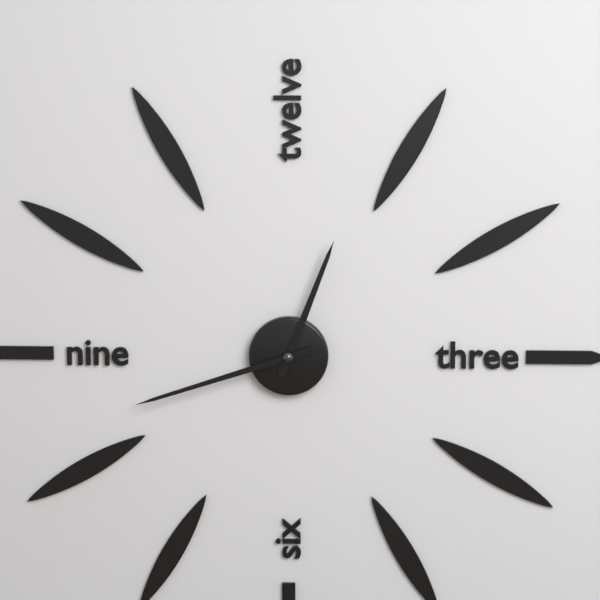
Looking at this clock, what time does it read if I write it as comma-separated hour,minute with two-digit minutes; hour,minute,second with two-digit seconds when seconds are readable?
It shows 12,42
